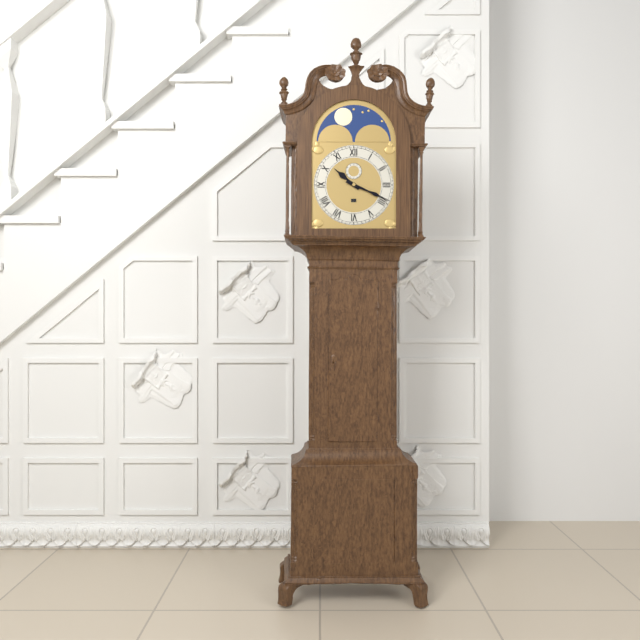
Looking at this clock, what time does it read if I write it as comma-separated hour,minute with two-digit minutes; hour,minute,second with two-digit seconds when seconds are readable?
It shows 10,19
